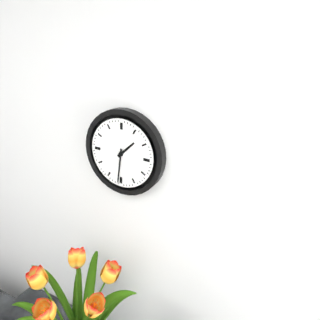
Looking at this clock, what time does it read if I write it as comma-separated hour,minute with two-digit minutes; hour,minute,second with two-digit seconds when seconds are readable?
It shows 1,31
